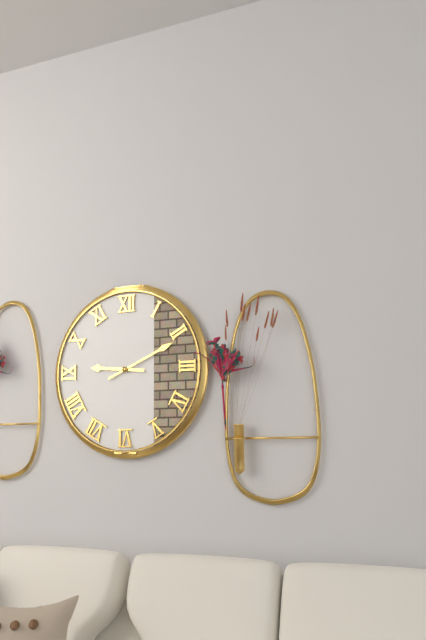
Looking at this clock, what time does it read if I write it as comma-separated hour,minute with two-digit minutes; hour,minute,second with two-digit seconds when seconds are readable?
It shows 9,11
